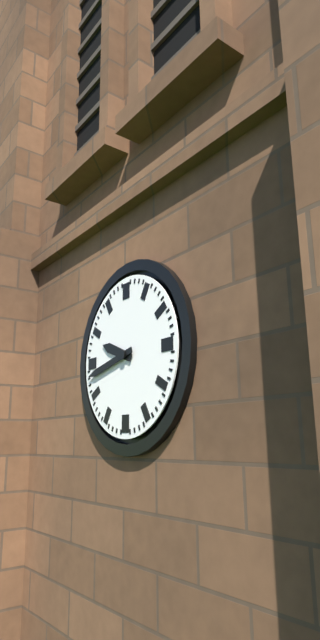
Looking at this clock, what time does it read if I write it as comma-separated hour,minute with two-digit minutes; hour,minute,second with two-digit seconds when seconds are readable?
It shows 9,43
